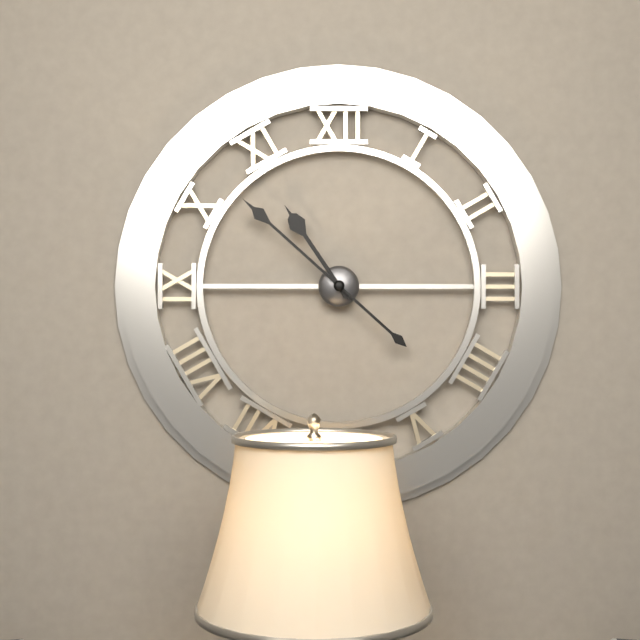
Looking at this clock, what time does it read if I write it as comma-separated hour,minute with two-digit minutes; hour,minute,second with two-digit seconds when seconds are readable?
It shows 10,52
